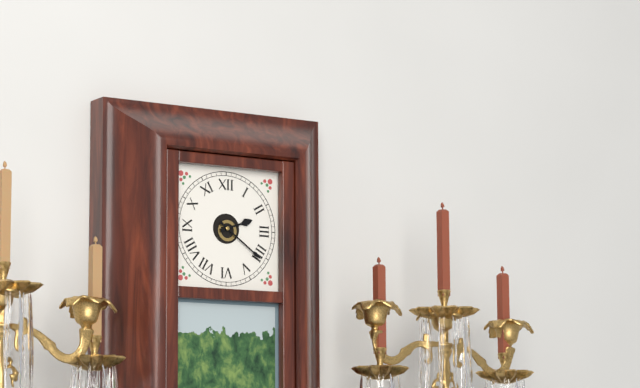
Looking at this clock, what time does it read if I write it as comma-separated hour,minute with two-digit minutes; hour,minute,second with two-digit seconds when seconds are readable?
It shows 2,21
